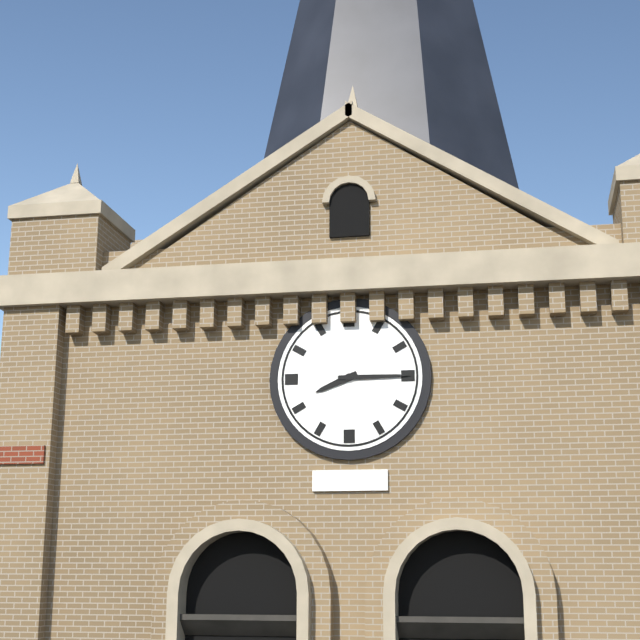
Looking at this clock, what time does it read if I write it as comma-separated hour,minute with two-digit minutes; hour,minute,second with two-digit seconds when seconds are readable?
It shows 8,15
